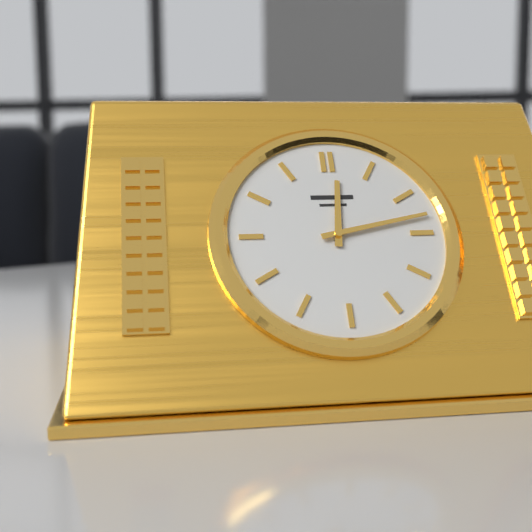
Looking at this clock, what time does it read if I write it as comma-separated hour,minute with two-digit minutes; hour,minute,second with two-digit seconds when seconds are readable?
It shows 12,13
